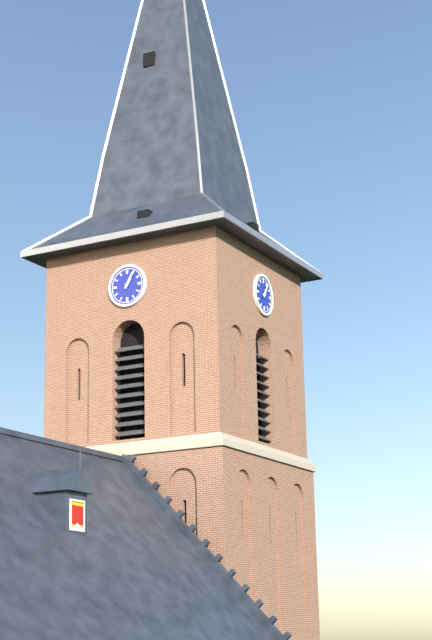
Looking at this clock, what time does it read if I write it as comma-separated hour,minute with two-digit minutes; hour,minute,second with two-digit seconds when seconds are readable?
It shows 1,05
